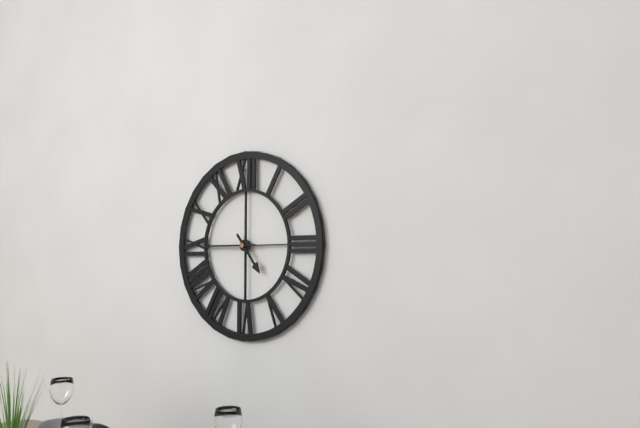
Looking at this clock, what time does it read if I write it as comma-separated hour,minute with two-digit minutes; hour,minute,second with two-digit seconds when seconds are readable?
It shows 4,45
